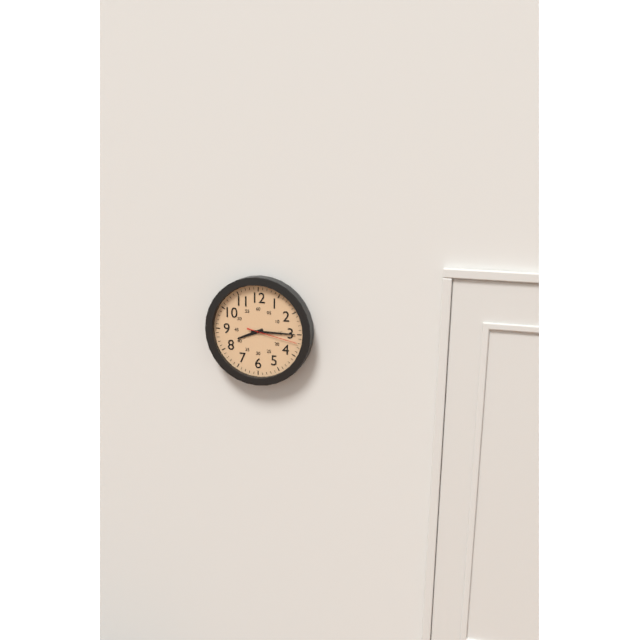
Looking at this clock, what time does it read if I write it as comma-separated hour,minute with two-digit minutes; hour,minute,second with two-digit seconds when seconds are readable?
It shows 8,15,17
